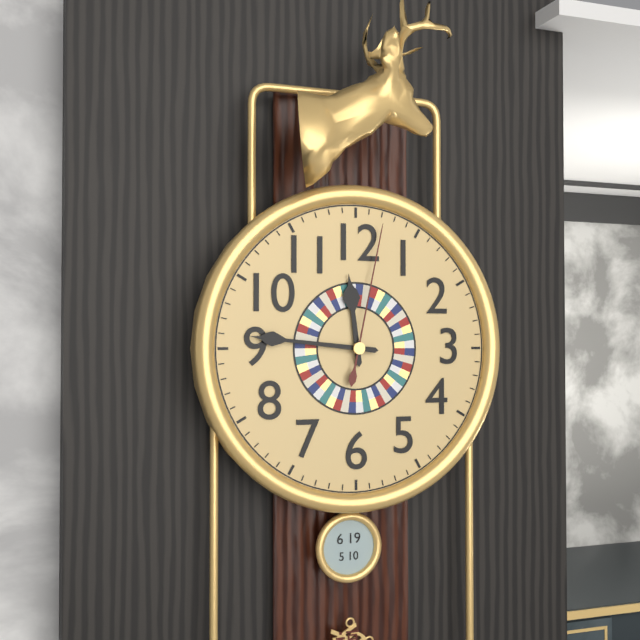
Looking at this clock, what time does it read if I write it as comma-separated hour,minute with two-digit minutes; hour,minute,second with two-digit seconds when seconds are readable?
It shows 11,46,02
